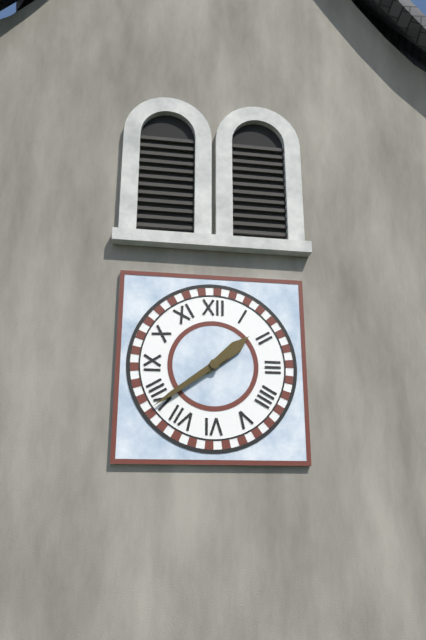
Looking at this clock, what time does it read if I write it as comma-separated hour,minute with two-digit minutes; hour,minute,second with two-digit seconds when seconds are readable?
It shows 1,39
